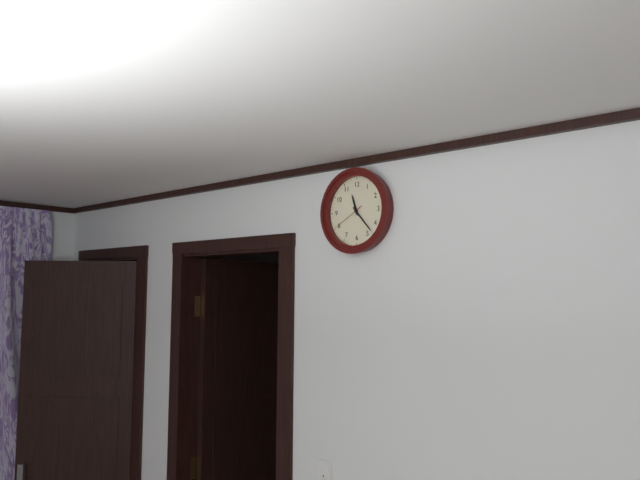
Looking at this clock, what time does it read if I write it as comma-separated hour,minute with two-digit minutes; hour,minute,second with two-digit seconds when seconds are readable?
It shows 11,23
